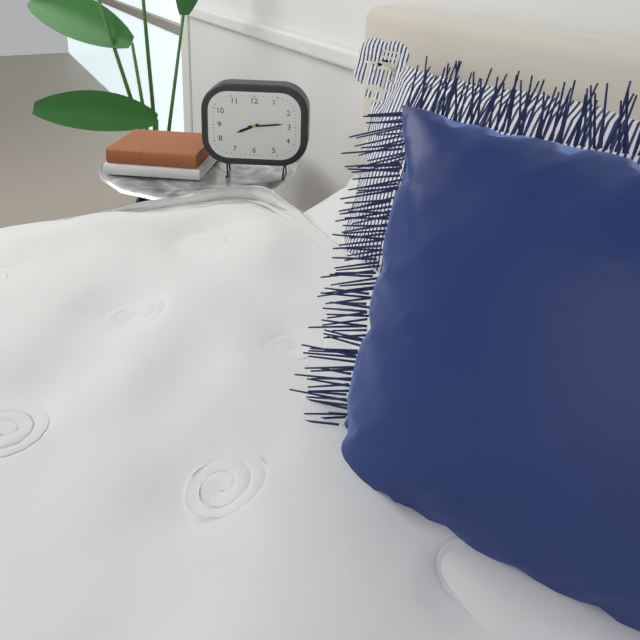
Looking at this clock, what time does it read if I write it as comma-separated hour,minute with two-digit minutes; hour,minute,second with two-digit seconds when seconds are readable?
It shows 8,14
